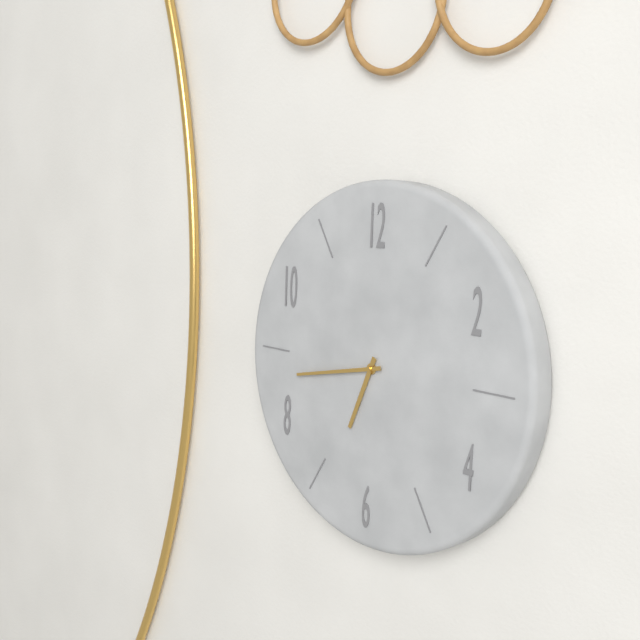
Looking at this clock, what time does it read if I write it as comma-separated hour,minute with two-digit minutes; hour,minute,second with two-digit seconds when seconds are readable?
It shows 6,43
